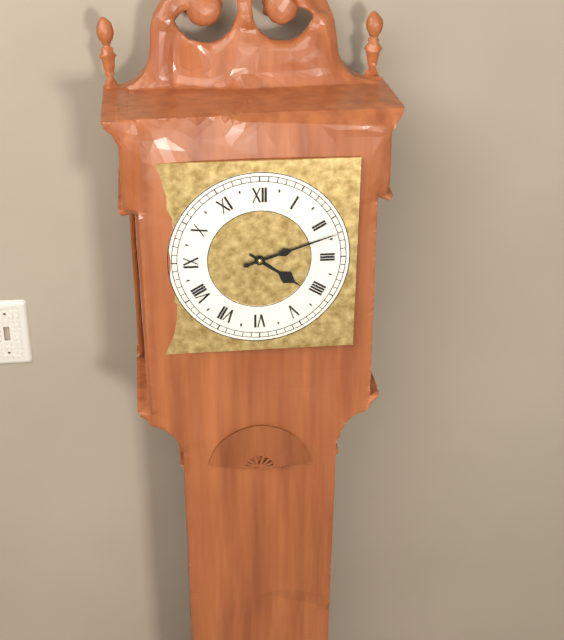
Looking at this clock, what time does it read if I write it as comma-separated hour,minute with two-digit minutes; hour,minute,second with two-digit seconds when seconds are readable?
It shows 4,12
